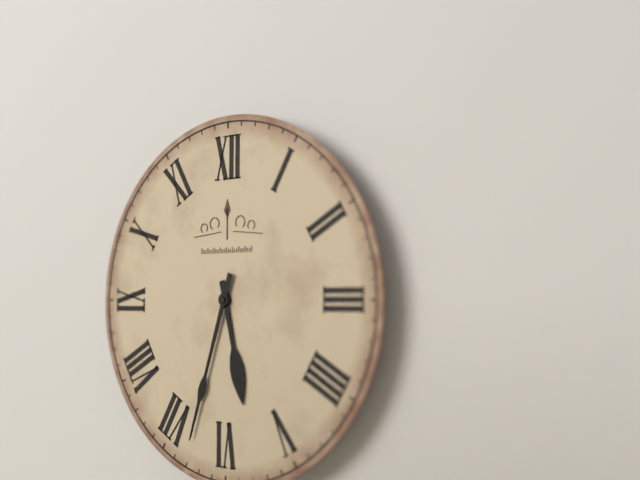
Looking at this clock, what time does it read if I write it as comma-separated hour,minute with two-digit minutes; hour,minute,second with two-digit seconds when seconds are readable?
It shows 5,33
